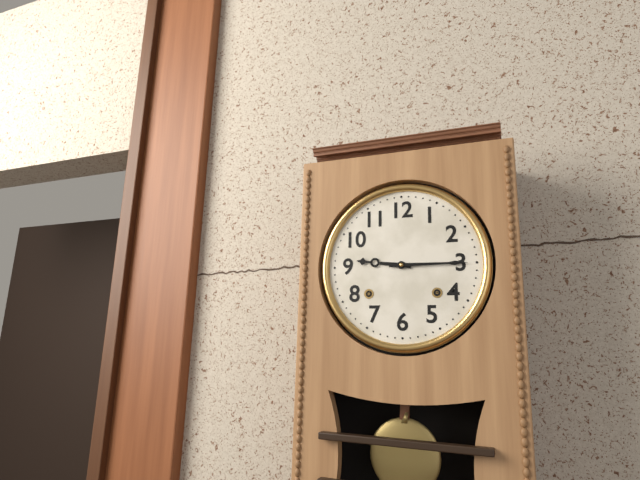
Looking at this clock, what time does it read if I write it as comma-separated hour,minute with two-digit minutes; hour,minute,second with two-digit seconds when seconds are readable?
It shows 9,15
